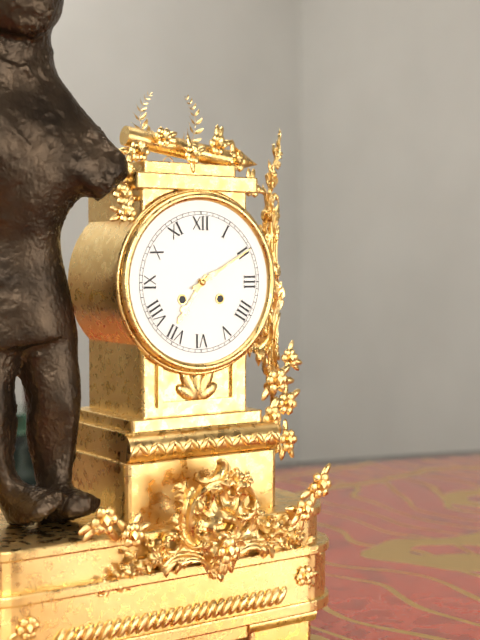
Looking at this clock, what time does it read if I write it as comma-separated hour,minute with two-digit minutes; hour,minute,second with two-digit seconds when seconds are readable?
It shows 7,10
